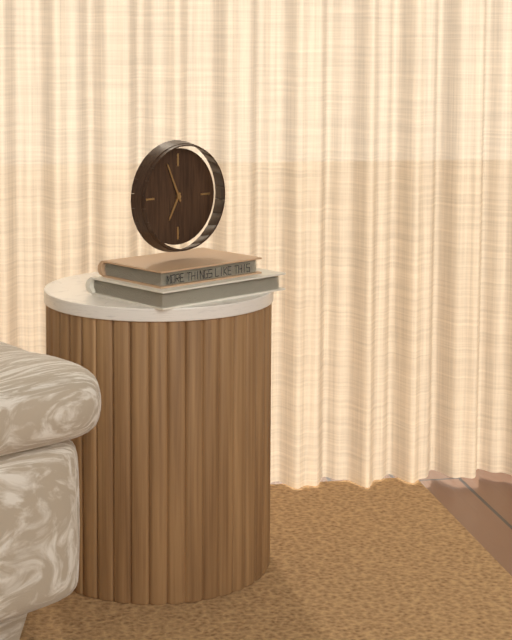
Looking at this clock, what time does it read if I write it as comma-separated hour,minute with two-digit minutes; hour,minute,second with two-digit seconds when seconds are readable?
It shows 6,56
